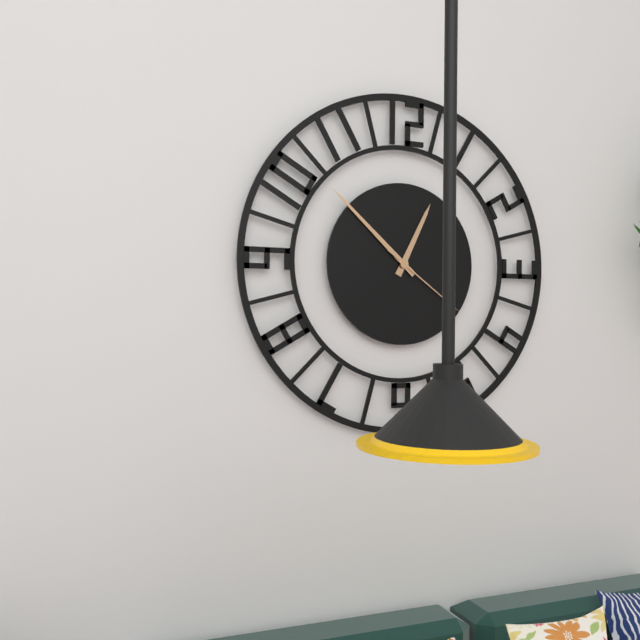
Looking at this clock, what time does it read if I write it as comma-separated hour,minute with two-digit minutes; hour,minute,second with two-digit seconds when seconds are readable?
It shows 12,52,21
